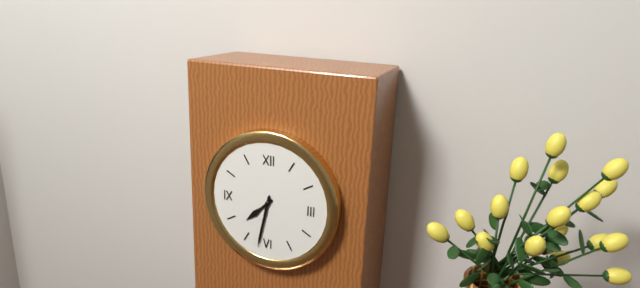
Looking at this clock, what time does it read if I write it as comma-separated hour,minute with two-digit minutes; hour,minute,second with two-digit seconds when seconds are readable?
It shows 7,32
